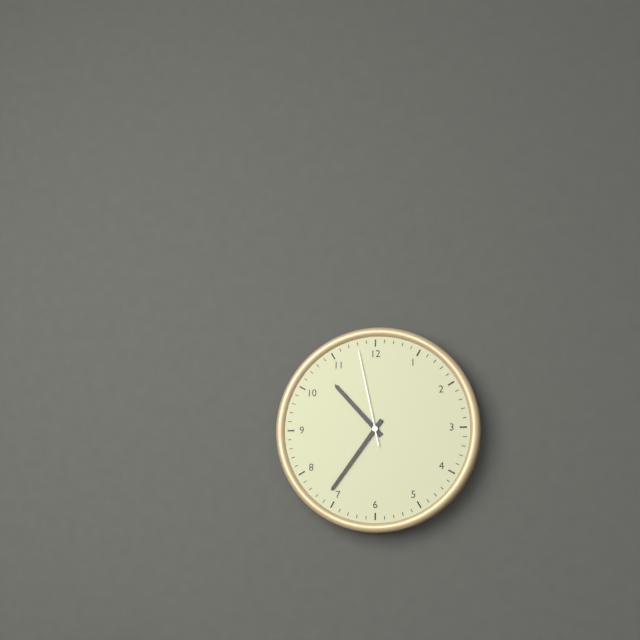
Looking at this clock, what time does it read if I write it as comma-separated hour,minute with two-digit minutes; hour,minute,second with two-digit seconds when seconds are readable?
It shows 10,36,58
